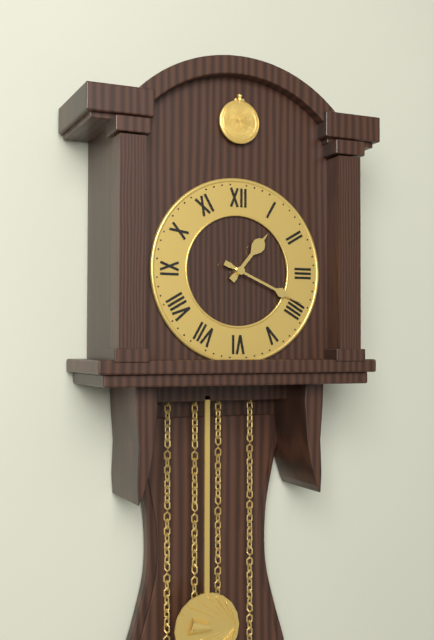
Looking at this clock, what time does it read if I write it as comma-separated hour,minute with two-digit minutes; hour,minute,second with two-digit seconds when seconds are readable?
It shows 1,19
